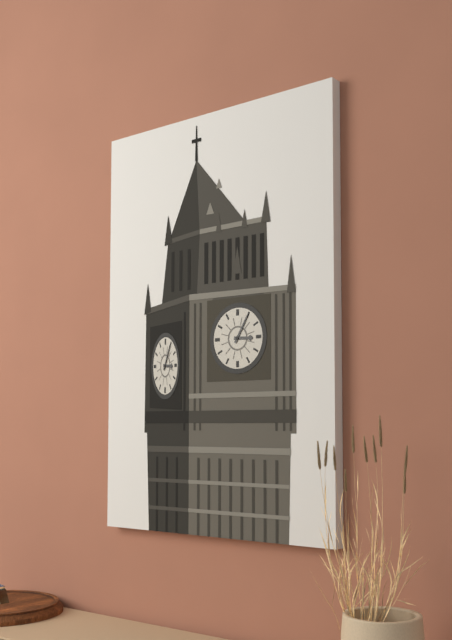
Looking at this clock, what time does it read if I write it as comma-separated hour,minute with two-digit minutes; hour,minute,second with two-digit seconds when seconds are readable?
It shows 3,05
